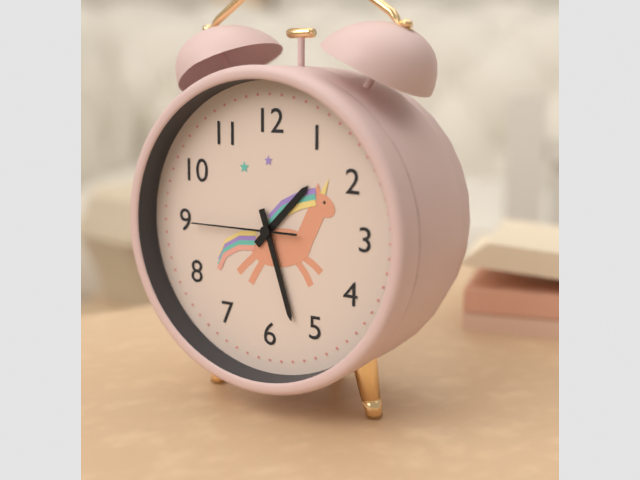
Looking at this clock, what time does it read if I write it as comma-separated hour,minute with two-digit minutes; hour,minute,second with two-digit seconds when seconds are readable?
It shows 1,27,45
